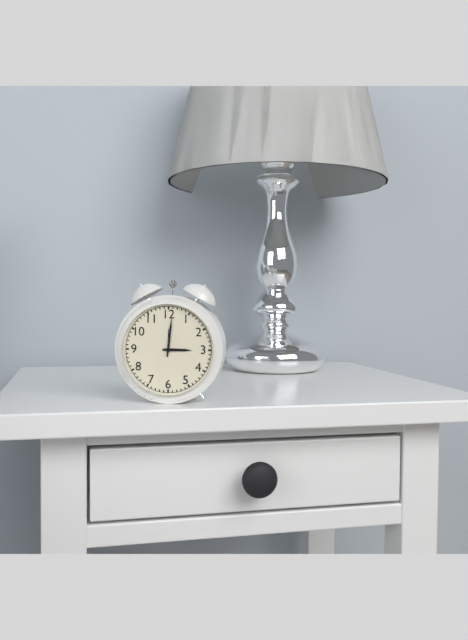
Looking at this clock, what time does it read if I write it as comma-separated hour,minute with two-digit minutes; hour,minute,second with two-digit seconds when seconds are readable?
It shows 3,01
